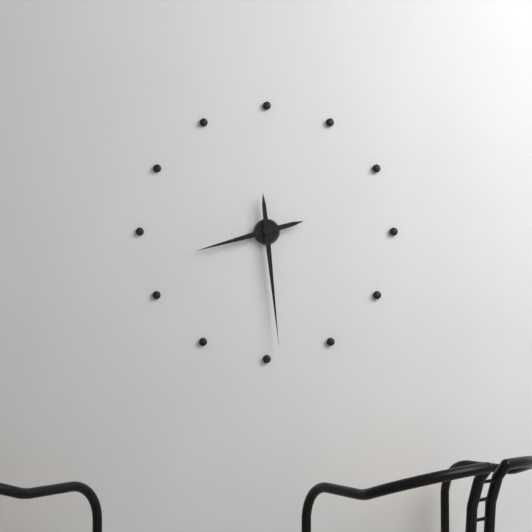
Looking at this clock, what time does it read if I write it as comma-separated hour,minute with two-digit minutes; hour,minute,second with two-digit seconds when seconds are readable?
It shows 8,29
